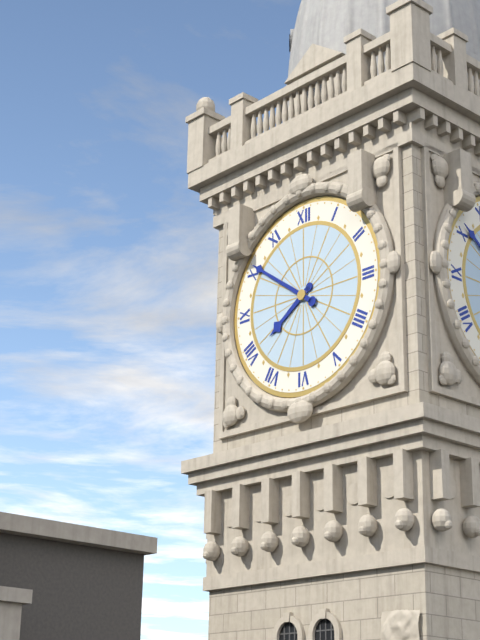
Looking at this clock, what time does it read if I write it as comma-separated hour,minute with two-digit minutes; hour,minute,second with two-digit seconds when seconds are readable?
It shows 7,51
